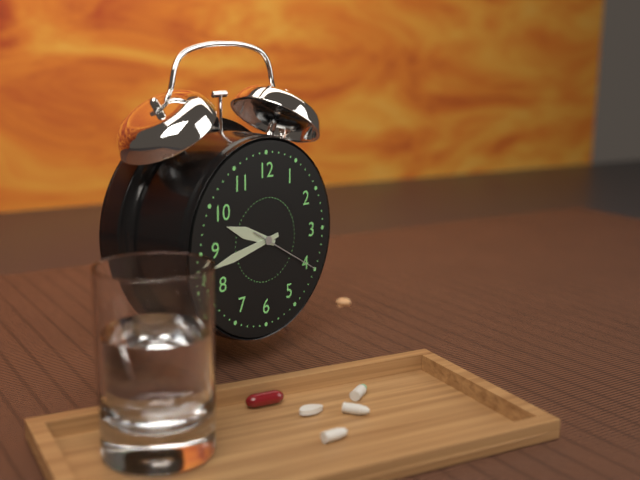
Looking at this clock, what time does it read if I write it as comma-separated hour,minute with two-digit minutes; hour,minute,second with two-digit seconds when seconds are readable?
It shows 9,43,20
